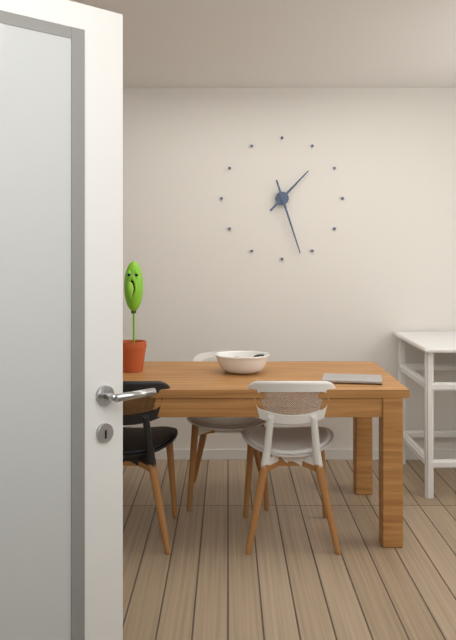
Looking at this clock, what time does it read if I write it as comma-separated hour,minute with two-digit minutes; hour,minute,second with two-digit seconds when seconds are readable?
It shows 1,27
